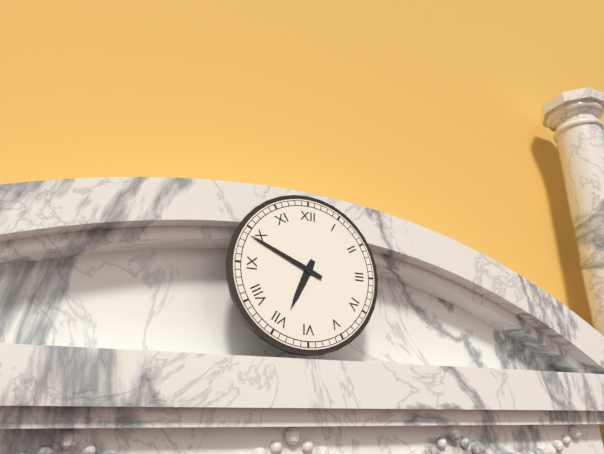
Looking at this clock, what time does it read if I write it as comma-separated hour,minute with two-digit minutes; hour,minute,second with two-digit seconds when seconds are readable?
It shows 6,49
